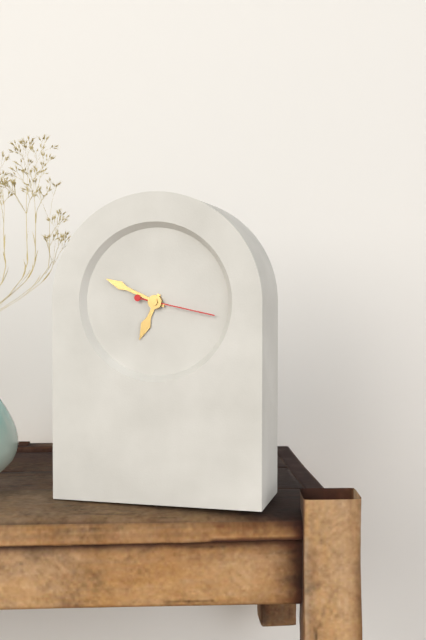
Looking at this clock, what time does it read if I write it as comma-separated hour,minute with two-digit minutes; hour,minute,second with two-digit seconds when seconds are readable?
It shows 6,49,17
